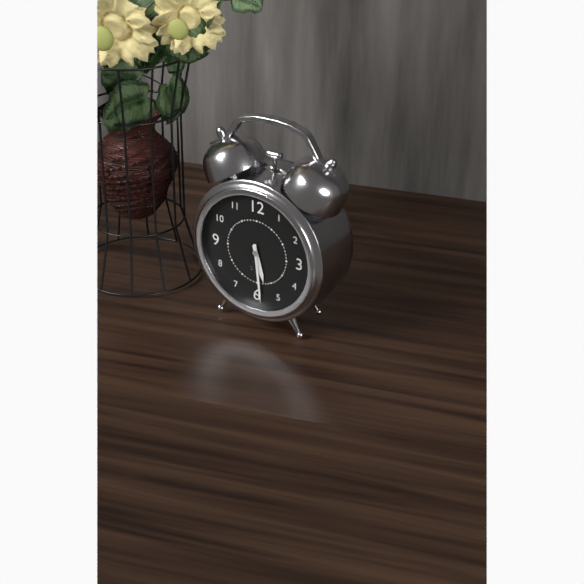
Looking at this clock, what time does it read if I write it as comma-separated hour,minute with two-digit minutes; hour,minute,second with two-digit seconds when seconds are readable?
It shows 5,29
